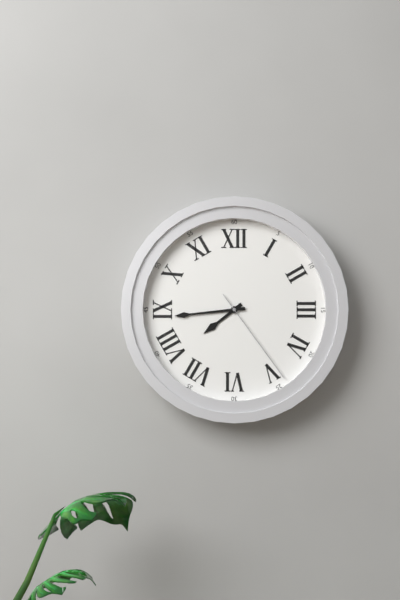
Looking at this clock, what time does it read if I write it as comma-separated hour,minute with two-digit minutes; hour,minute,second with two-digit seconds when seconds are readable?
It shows 7,44,24
